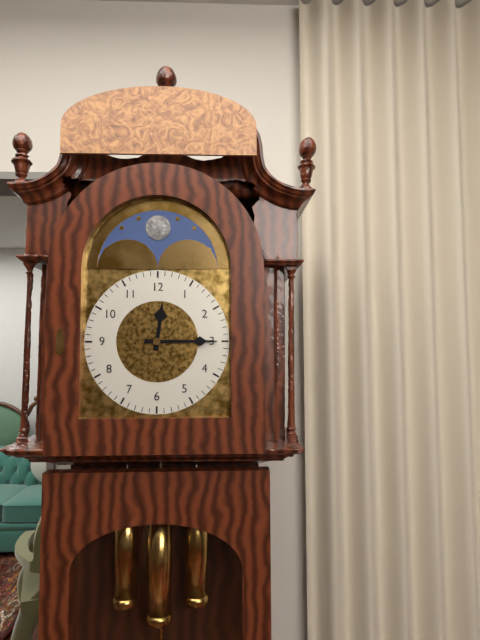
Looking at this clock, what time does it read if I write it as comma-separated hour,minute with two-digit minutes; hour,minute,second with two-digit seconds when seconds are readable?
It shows 12,15
